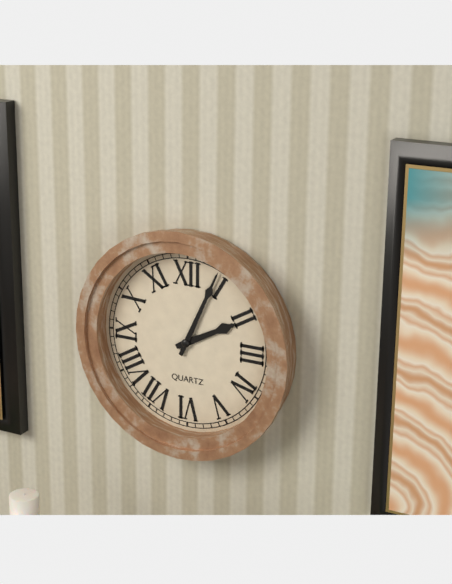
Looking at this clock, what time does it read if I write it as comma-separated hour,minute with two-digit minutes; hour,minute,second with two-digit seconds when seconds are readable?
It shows 2,04
